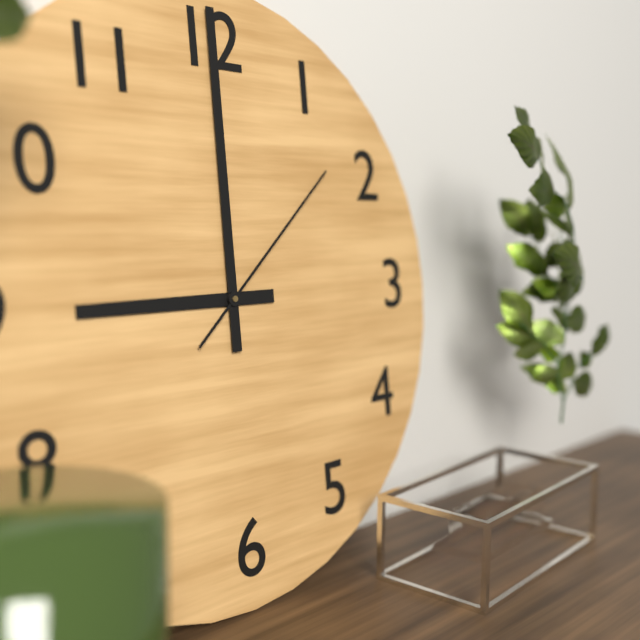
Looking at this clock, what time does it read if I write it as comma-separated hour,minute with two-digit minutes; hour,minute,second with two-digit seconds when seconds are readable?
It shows 9,00,08
